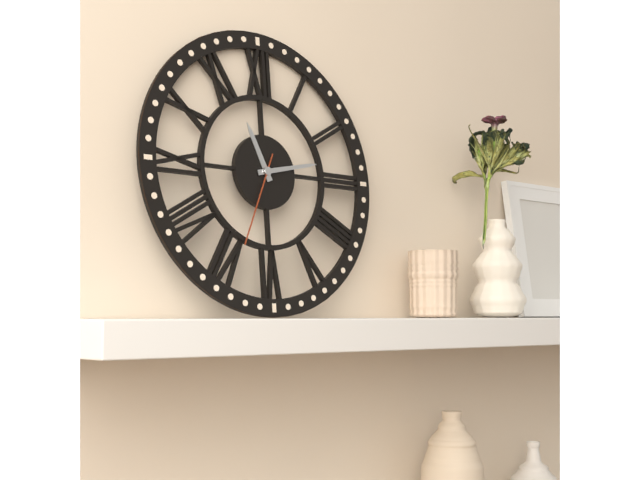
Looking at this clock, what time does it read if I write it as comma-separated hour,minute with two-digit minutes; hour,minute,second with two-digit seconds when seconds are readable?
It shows 11,13,34
